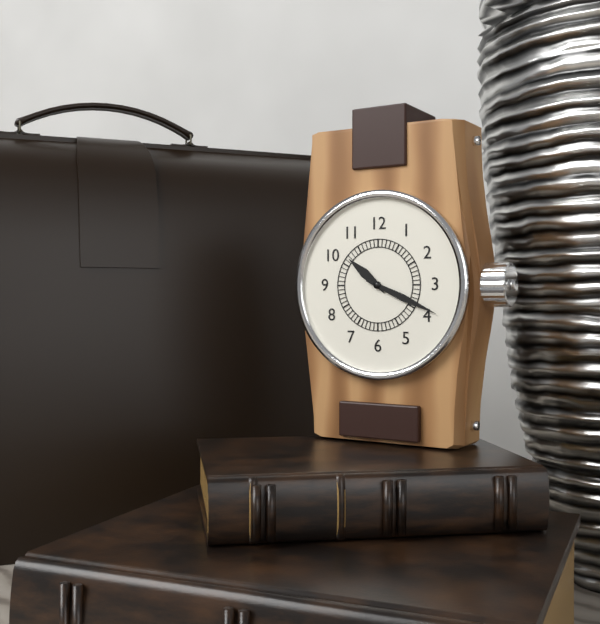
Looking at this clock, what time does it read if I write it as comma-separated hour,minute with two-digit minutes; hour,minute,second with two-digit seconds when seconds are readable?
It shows 10,19
